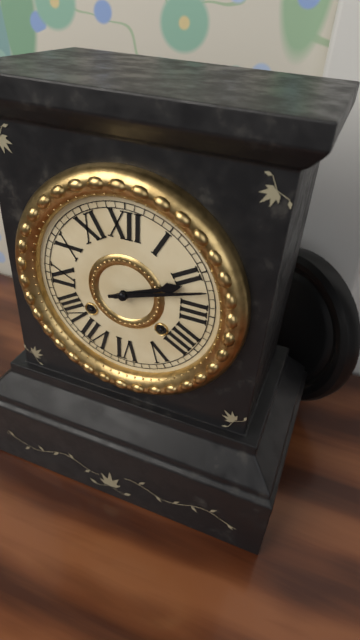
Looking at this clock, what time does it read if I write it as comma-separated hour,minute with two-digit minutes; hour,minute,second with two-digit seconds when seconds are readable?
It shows 2,12
